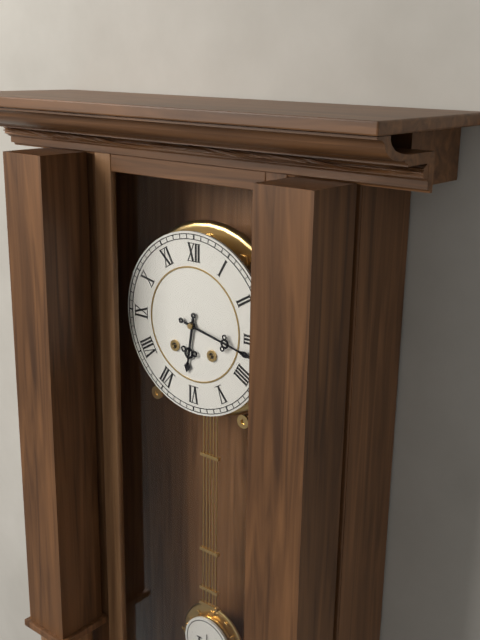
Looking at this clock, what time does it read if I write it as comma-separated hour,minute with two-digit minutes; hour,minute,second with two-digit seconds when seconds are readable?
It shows 6,17
